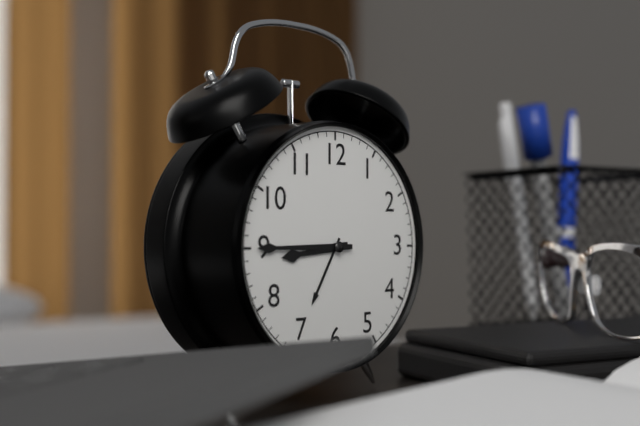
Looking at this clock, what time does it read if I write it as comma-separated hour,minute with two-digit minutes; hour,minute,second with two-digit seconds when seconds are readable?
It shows 8,45
